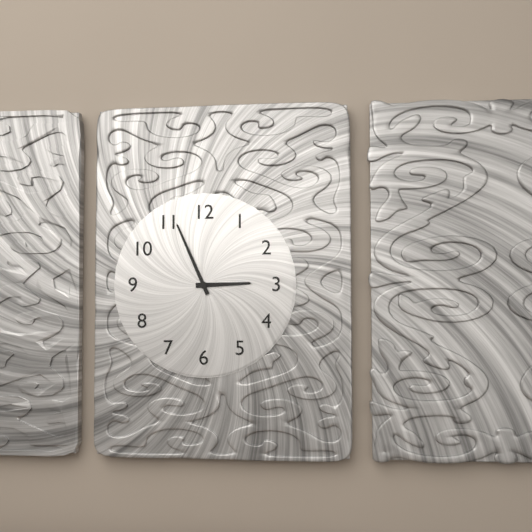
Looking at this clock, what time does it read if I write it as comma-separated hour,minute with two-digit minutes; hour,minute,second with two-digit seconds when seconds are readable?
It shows 2,56
